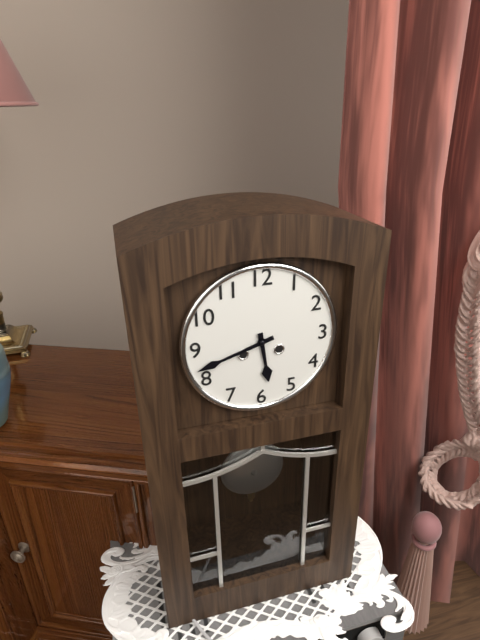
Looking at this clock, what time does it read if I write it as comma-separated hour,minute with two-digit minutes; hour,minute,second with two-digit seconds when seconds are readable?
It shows 5,42
